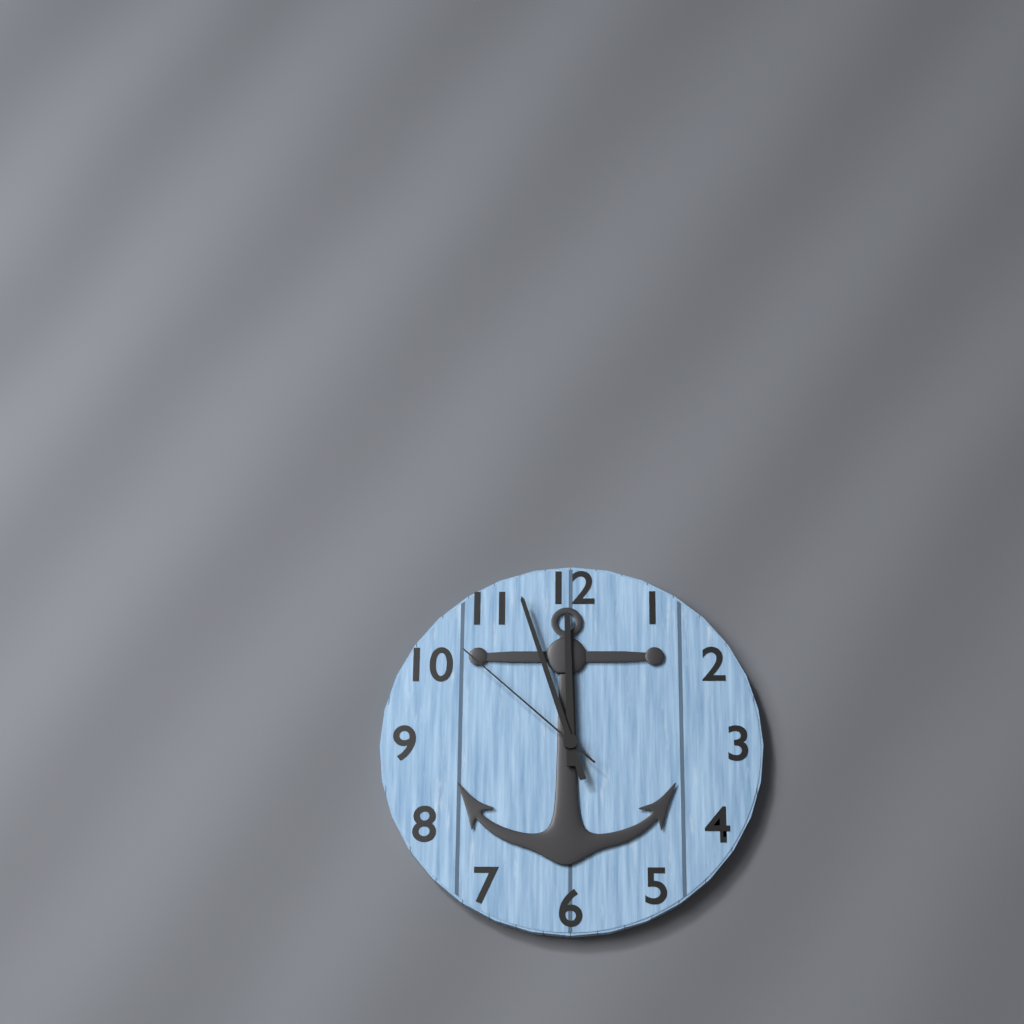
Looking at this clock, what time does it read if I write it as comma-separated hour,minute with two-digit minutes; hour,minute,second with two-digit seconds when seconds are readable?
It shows 11,57,52
